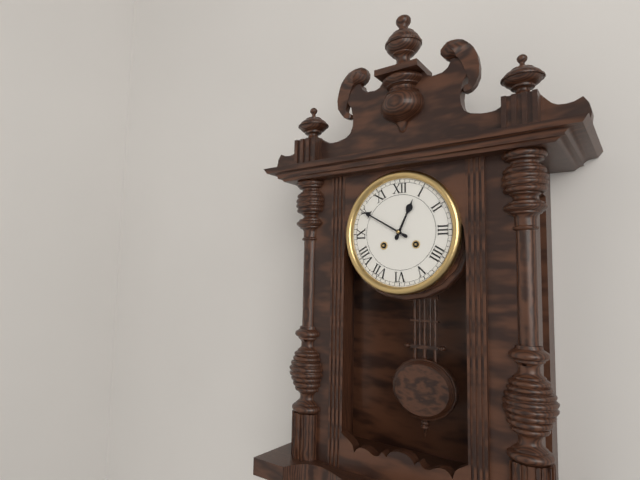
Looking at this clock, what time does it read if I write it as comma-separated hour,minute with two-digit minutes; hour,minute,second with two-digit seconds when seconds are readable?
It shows 12,50
